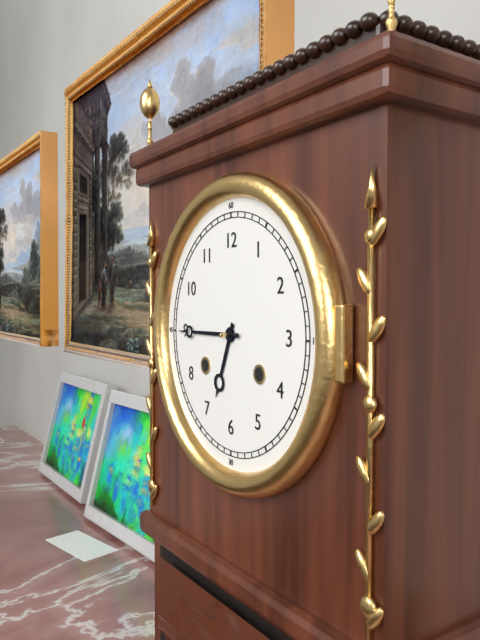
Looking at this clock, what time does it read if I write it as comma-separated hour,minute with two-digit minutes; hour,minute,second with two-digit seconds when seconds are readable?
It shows 6,45
